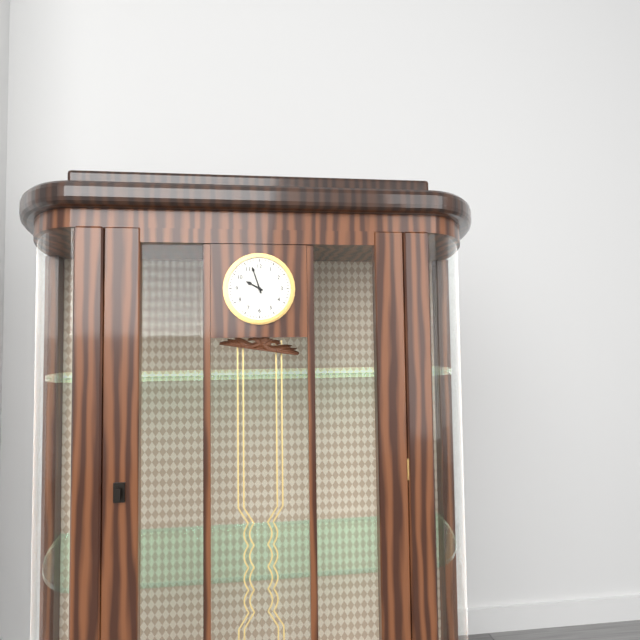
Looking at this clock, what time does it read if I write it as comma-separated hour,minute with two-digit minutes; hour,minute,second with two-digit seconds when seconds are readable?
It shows 9,57
